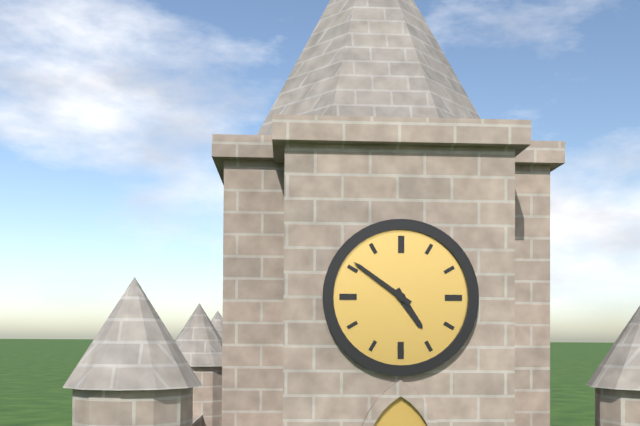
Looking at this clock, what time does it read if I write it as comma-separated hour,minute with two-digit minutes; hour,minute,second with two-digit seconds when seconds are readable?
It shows 4,51
